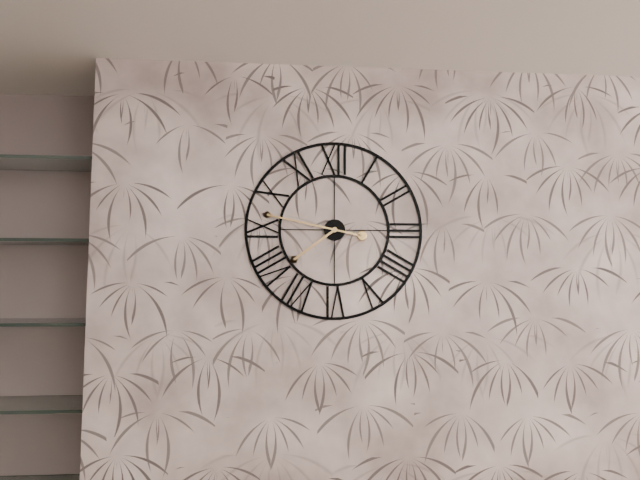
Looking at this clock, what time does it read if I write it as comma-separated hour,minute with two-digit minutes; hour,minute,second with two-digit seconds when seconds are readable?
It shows 7,47
